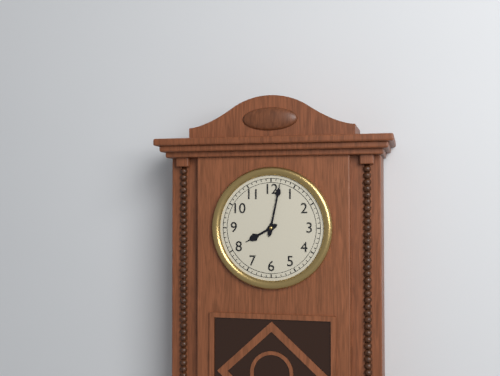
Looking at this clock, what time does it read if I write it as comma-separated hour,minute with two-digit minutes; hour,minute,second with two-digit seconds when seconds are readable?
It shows 8,02
